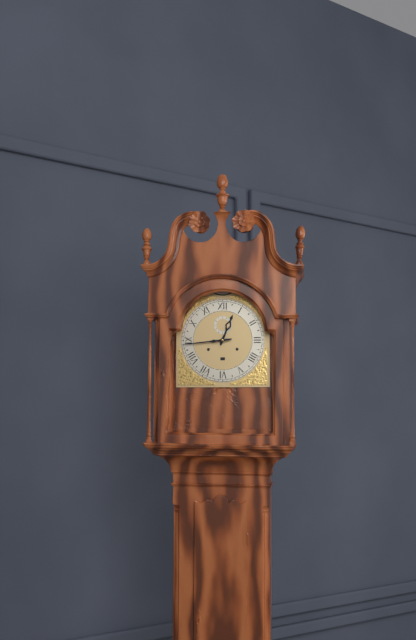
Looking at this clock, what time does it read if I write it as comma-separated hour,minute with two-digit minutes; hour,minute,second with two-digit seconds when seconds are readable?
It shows 12,44
